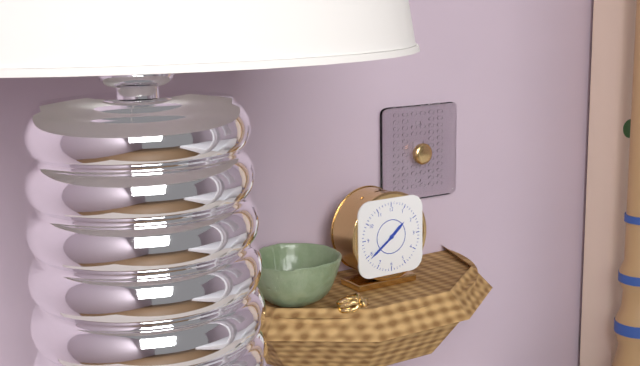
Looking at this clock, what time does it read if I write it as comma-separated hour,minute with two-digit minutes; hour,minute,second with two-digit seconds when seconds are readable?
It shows 1,39
